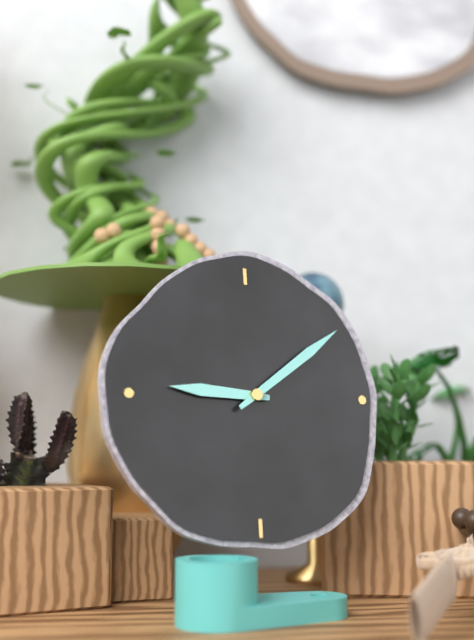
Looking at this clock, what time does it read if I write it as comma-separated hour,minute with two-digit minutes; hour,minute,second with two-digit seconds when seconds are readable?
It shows 9,09
